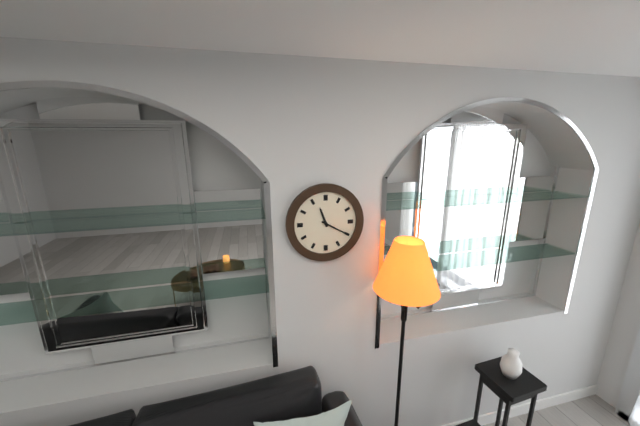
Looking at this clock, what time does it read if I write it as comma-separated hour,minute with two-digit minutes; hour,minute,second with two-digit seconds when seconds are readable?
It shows 11,20
